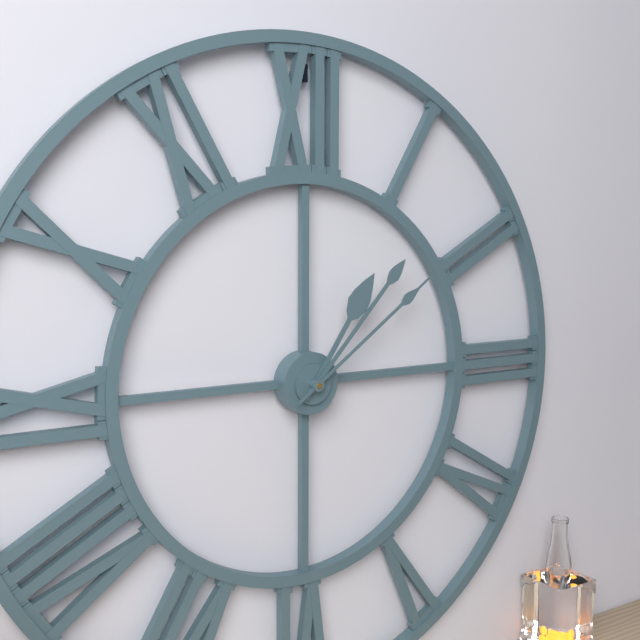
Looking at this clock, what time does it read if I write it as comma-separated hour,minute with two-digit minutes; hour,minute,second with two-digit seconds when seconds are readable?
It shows 1,07,09
